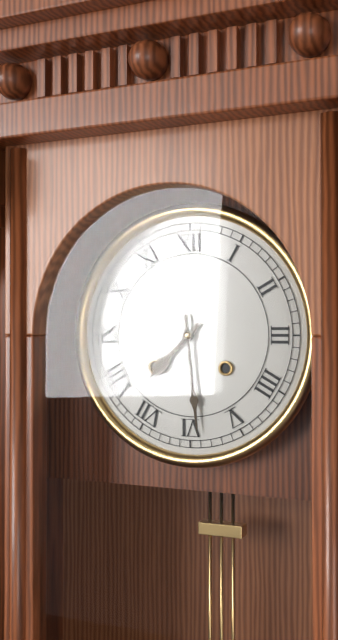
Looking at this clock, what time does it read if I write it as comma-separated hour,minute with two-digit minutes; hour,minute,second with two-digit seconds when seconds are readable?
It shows 7,29
